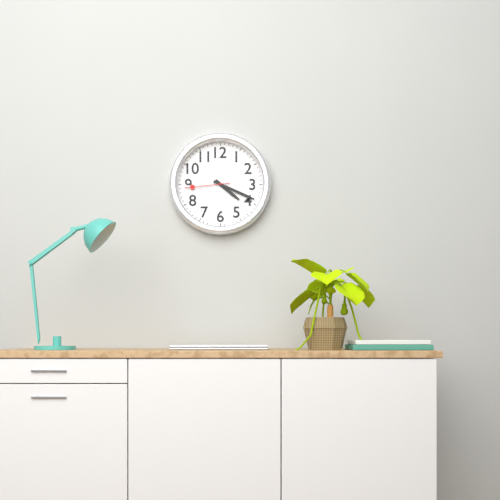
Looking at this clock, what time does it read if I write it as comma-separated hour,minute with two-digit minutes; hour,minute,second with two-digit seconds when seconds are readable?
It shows 4,19
